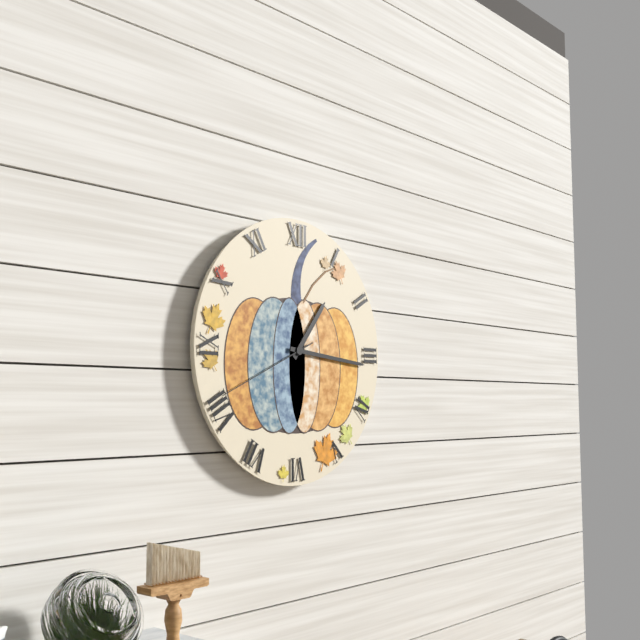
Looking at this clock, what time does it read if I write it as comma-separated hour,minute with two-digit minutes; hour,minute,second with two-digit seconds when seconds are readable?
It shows 1,16,41
